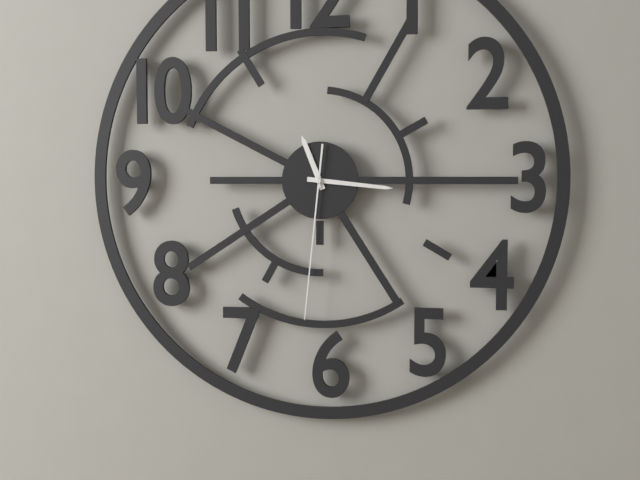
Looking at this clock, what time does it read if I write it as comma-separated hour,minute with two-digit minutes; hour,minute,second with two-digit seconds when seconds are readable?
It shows 11,16,31
